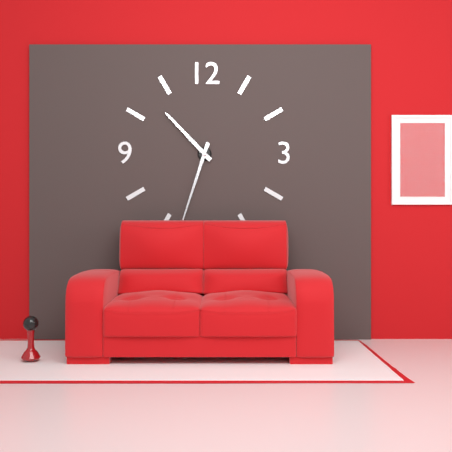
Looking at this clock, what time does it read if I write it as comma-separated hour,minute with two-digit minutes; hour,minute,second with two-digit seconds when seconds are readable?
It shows 10,33
